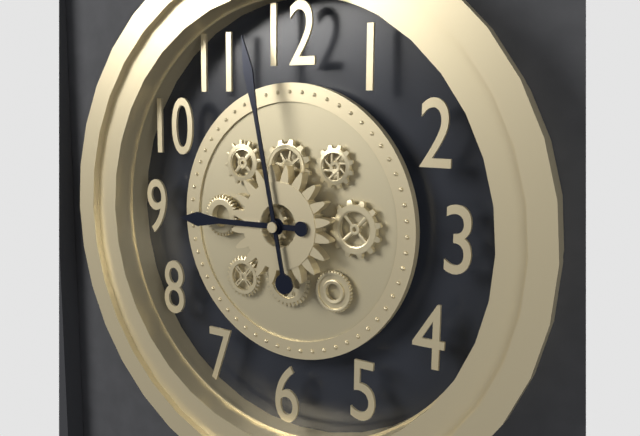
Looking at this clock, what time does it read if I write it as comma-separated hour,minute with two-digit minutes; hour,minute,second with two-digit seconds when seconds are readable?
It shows 8,58
